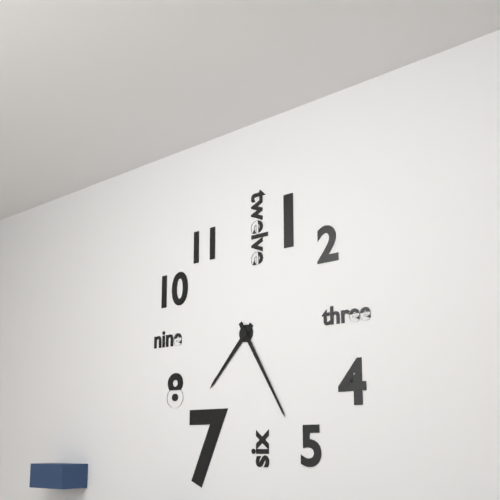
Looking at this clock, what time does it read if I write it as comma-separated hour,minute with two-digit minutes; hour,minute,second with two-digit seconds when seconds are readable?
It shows 7,25
